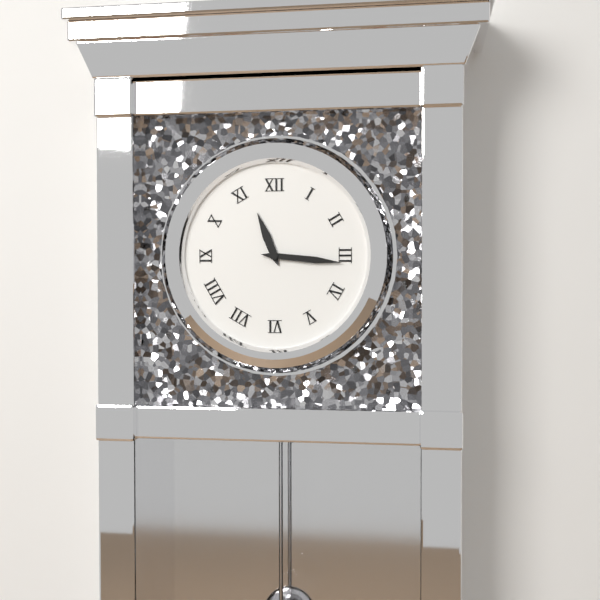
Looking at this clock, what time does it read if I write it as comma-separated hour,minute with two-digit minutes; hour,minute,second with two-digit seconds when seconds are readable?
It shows 11,16
